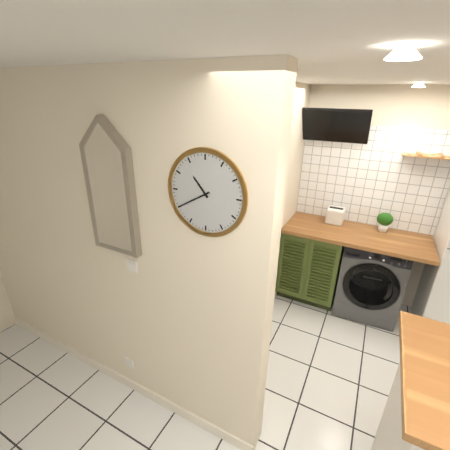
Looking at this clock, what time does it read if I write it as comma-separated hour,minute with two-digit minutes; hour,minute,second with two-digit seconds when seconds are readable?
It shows 10,40
